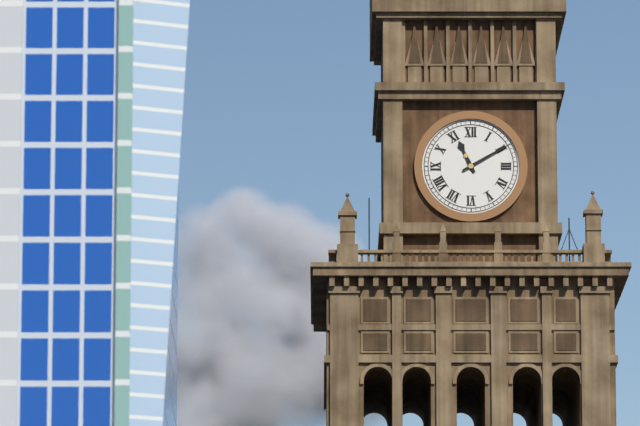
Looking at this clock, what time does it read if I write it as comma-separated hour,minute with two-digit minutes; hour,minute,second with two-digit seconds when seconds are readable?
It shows 11,10
